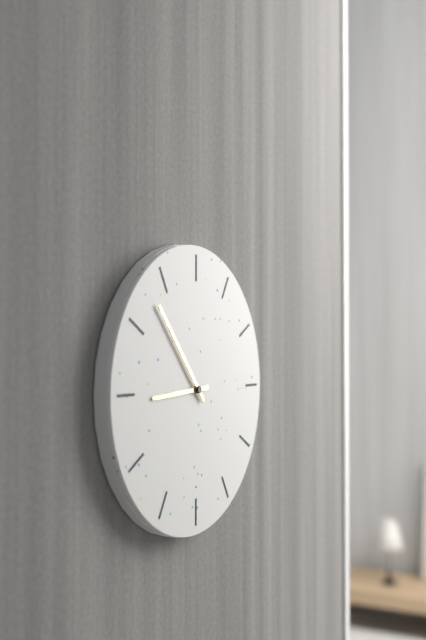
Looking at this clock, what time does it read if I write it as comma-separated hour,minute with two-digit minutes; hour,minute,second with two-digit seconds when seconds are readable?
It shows 8,53
